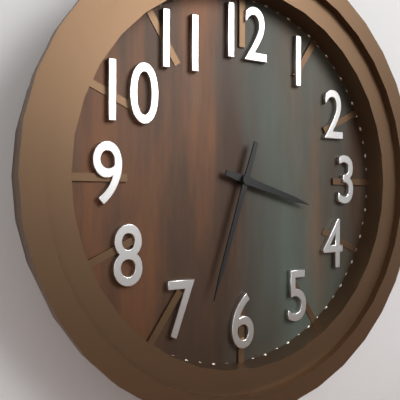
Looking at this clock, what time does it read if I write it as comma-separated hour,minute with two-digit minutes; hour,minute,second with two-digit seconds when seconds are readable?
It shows 3,33
